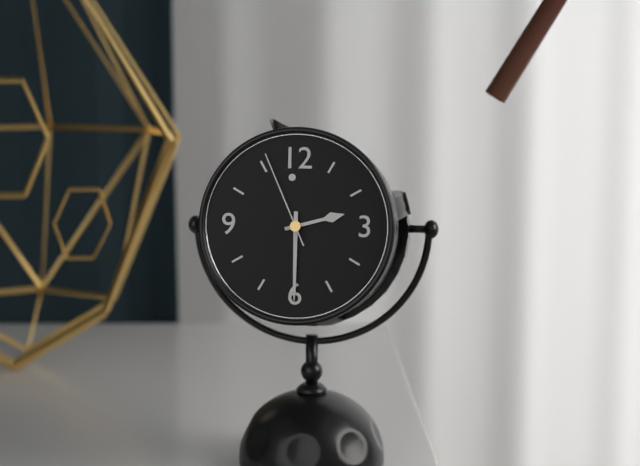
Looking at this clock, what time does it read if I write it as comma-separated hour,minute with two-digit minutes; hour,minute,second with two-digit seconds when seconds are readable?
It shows 2,30,56
